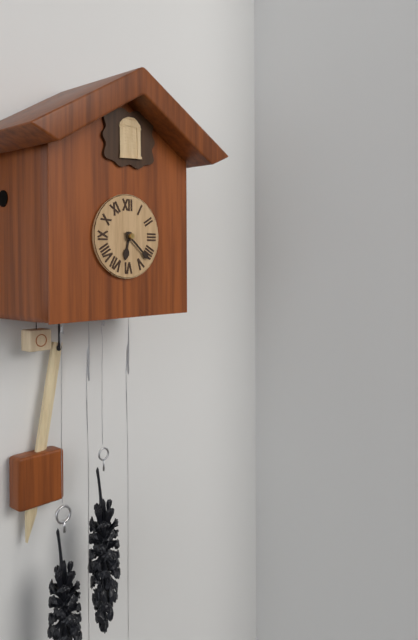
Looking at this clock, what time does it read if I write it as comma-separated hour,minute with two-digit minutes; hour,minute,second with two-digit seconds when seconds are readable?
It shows 6,22
